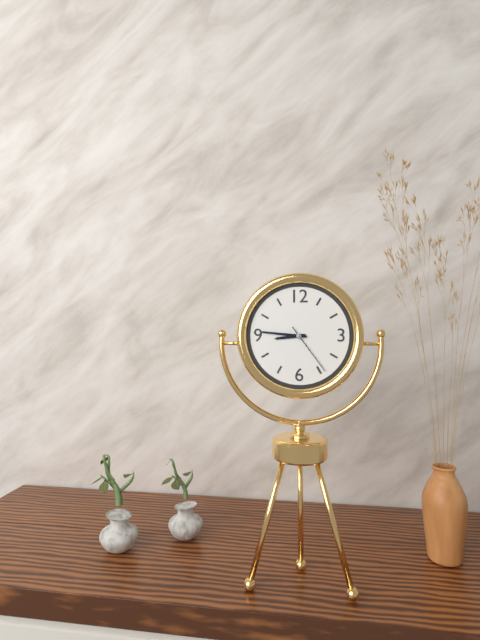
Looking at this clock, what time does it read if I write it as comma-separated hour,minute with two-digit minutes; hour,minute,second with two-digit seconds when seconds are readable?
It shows 8,46,24
